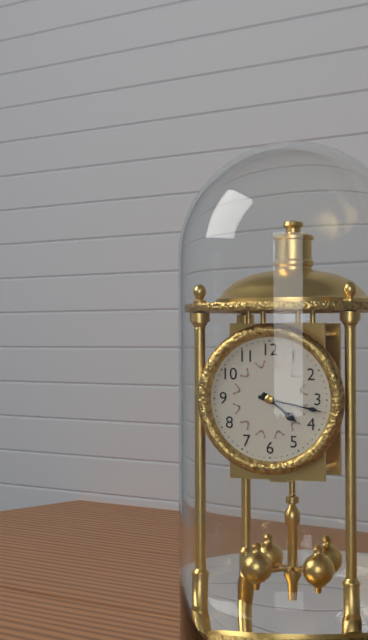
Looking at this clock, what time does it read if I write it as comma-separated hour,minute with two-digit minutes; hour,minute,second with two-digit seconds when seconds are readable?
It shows 4,17
